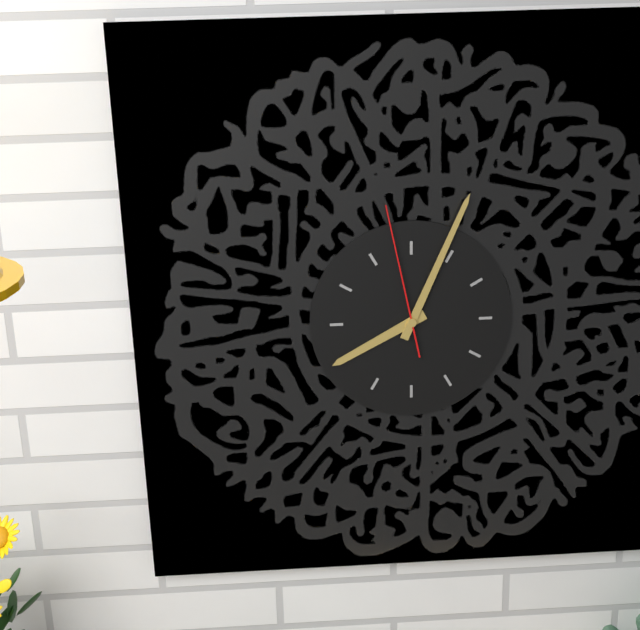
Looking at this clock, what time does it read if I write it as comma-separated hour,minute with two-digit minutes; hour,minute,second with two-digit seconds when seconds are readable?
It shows 8,04,58
